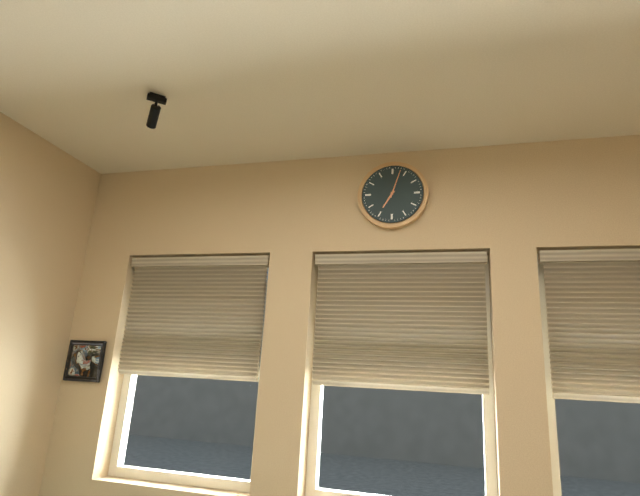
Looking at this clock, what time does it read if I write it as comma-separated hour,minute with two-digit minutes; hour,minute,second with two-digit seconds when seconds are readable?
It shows 7,03
